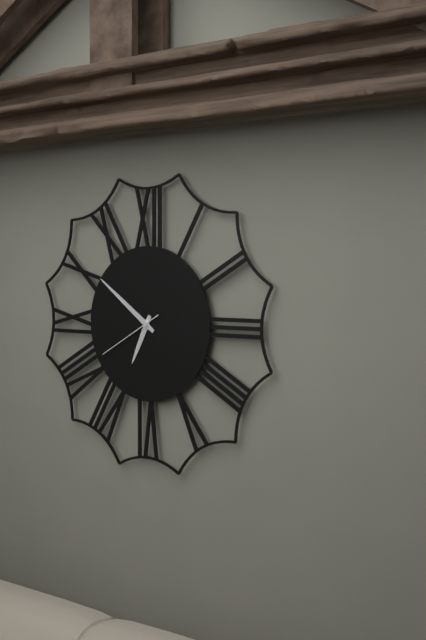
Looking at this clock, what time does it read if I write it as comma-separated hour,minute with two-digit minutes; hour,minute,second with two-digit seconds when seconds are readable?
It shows 6,51,40
